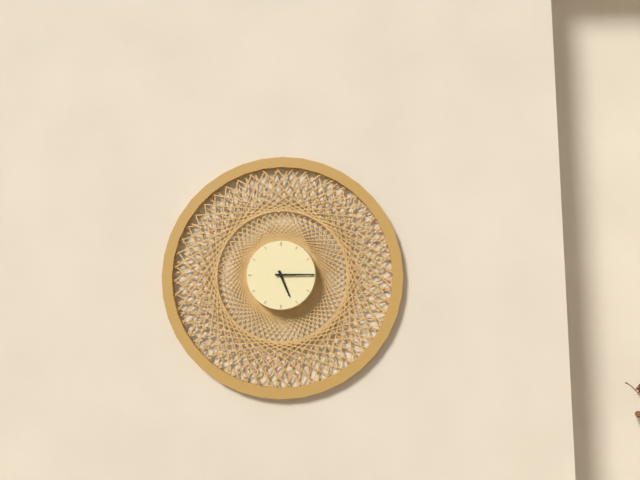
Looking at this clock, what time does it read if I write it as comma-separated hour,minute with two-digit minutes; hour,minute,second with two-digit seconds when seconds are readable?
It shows 5,15
